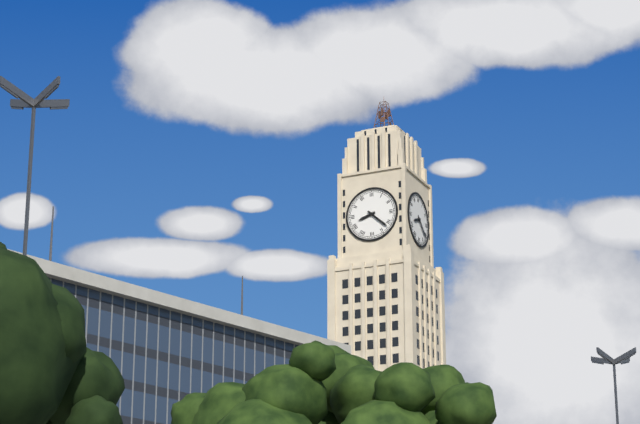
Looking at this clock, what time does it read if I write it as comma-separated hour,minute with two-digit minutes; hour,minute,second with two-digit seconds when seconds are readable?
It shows 8,22
